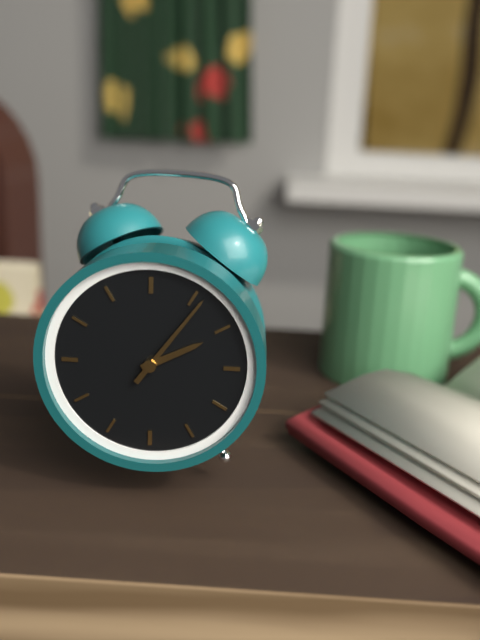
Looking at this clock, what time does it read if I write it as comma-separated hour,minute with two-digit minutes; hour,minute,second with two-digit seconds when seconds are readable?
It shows 2,06
